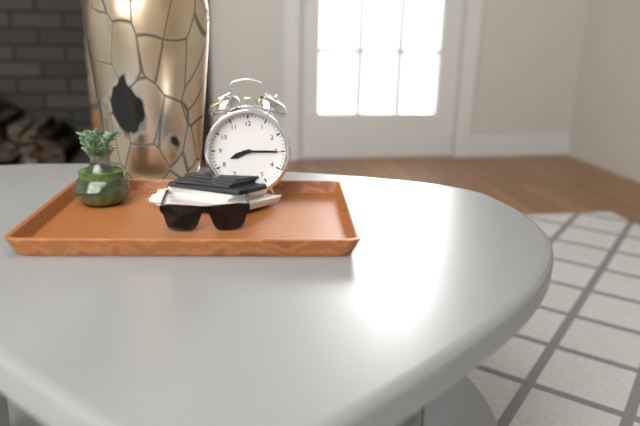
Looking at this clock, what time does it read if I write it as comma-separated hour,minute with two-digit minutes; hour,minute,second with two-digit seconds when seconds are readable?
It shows 8,15
